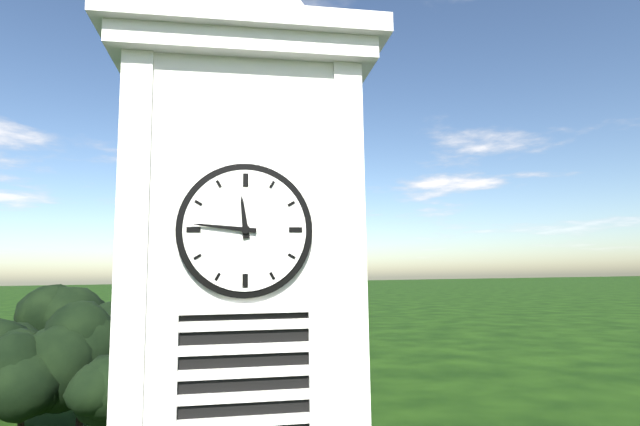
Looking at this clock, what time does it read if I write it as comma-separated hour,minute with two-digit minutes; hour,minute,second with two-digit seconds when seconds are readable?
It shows 11,46
